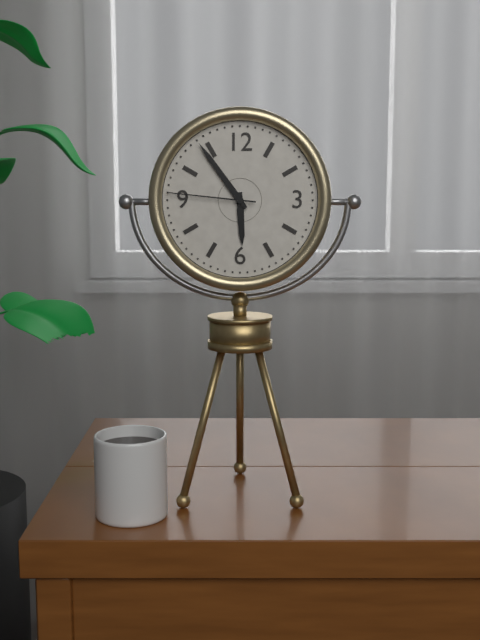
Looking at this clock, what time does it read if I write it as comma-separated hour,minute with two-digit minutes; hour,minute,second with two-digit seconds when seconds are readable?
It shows 5,54,46
